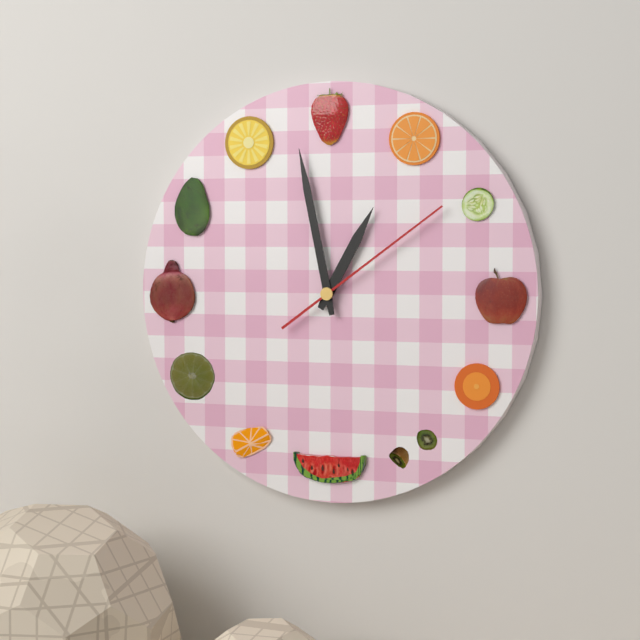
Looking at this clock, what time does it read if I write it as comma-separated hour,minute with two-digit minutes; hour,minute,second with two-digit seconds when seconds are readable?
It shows 12,58,09
